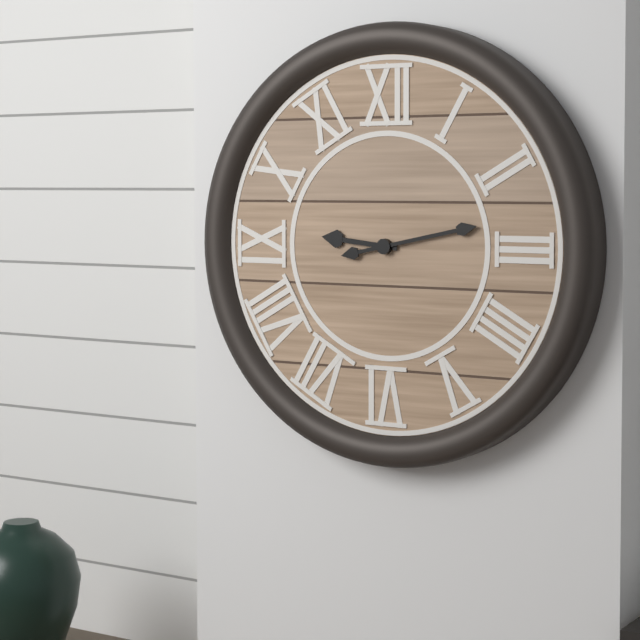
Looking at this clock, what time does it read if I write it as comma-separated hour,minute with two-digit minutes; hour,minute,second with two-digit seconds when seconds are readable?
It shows 9,13
